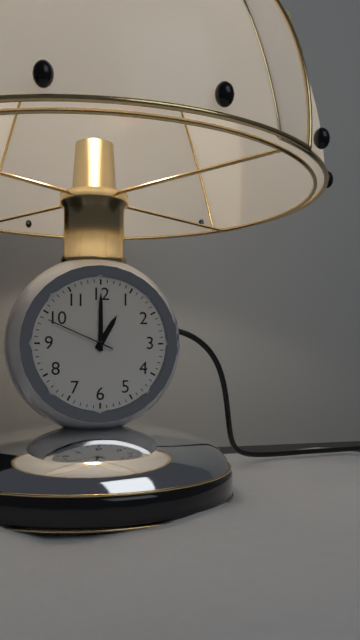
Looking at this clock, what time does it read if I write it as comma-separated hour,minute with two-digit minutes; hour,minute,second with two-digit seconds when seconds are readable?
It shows 1,00,49
